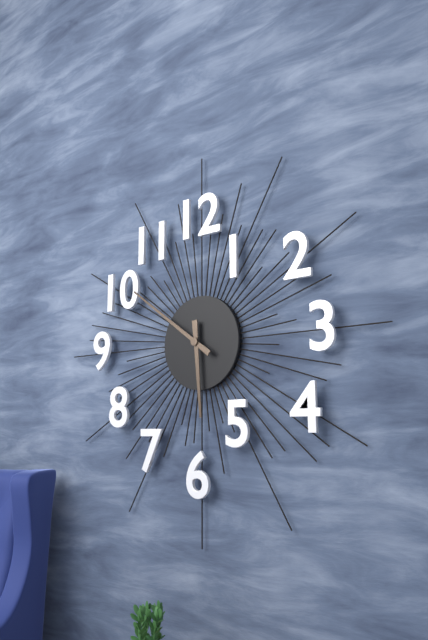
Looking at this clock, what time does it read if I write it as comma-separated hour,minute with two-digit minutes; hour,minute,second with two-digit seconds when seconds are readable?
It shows 5,51
